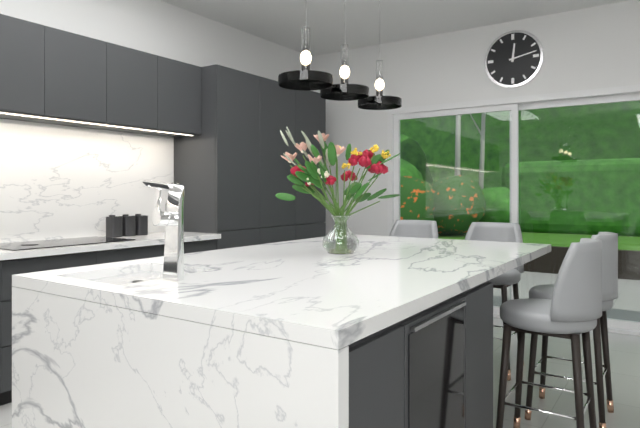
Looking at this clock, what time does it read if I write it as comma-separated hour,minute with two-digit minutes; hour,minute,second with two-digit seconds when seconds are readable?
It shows 12,13
